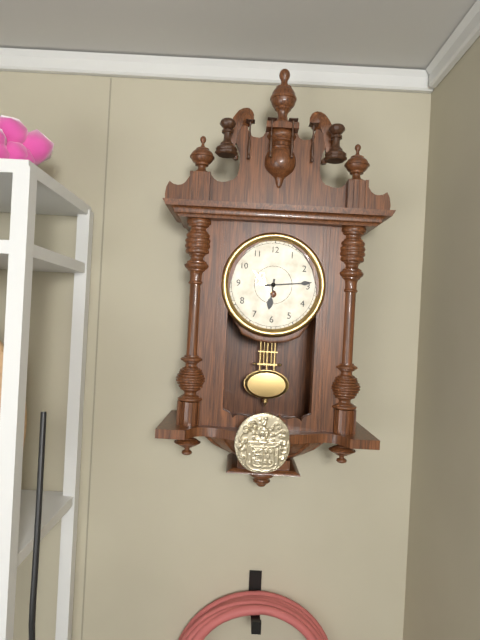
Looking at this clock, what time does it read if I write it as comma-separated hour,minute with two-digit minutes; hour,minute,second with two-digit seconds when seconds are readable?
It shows 6,14
